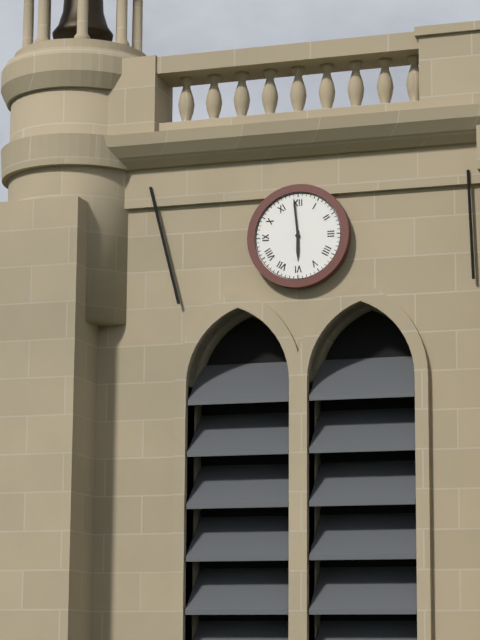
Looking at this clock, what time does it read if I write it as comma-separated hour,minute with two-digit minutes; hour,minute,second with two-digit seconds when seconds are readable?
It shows 5,59
